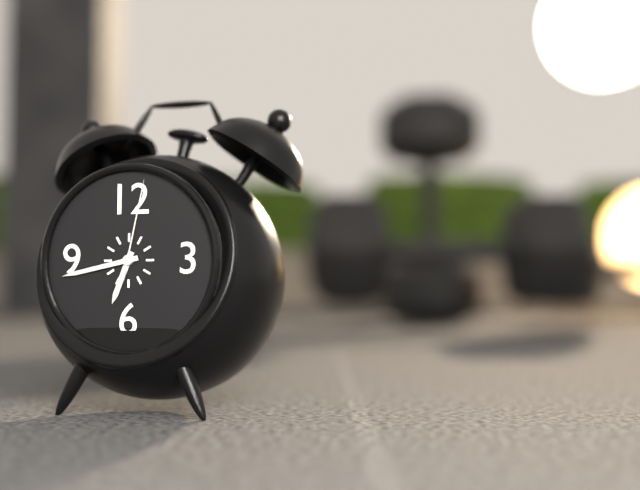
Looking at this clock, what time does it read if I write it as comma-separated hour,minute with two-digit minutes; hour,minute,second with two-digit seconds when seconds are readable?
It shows 6,43,02
